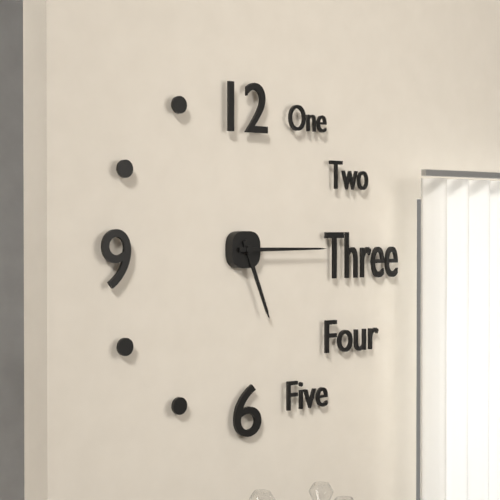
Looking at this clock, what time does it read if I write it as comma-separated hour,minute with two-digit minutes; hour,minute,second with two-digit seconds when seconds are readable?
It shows 5,15
